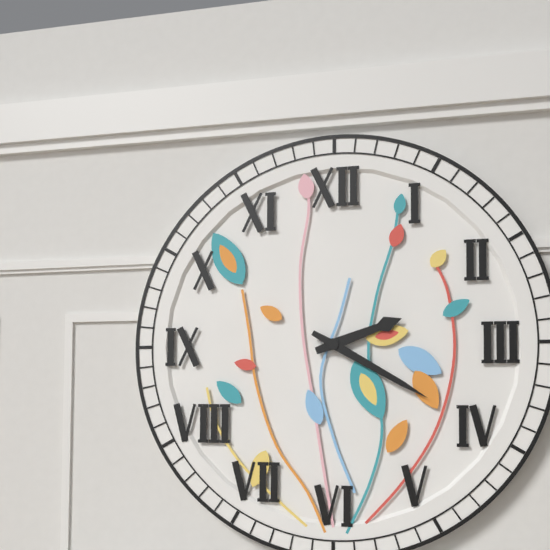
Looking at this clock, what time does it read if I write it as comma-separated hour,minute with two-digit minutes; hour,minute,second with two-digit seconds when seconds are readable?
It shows 2,20
